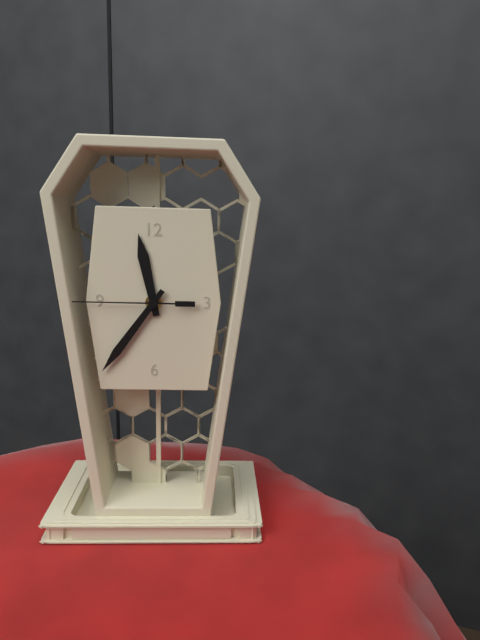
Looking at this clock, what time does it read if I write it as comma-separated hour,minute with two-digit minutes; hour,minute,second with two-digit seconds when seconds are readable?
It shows 11,36,45
